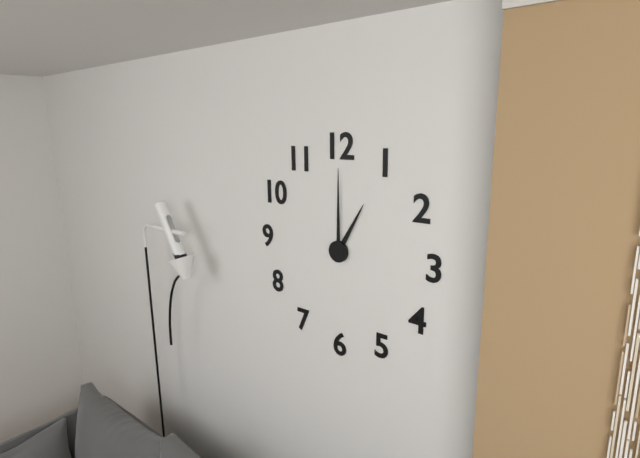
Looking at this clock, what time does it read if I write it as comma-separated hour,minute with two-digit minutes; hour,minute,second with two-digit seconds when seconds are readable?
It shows 1,00
